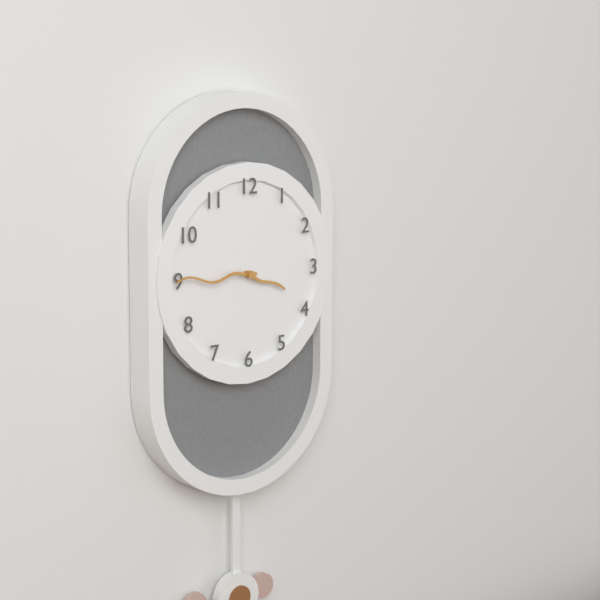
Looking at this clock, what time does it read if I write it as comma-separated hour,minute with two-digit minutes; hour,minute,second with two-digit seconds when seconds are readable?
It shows 3,45
